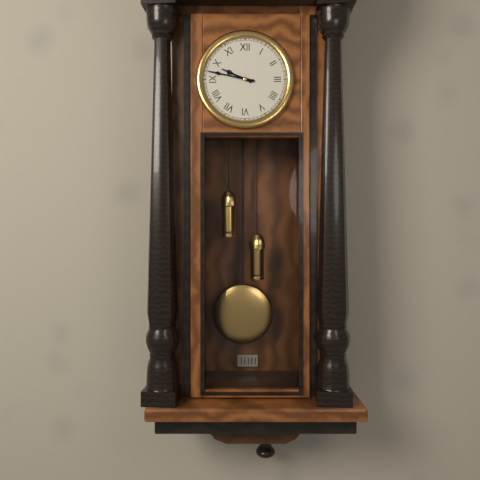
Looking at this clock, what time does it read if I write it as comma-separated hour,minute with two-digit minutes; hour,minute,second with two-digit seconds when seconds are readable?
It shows 9,47
